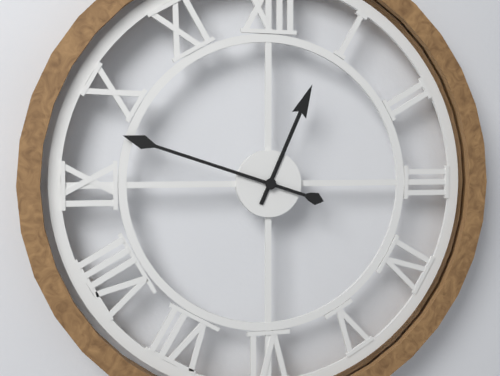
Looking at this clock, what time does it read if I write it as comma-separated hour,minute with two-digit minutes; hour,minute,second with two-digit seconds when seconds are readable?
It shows 12,48
